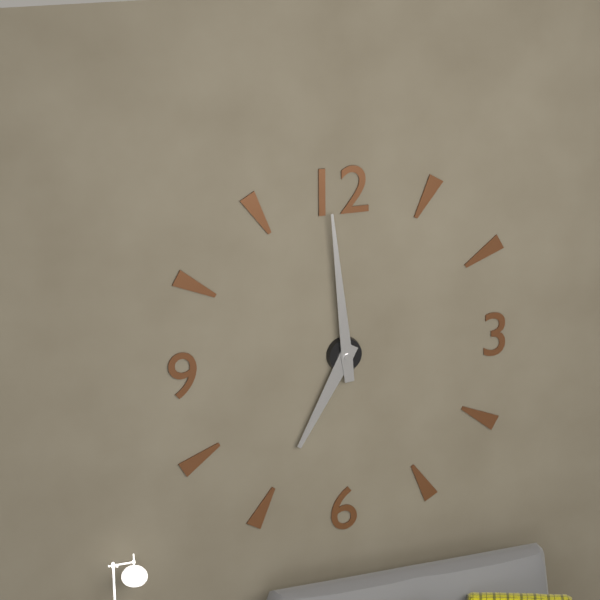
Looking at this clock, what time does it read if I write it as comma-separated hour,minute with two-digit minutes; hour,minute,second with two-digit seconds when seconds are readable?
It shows 6,59
